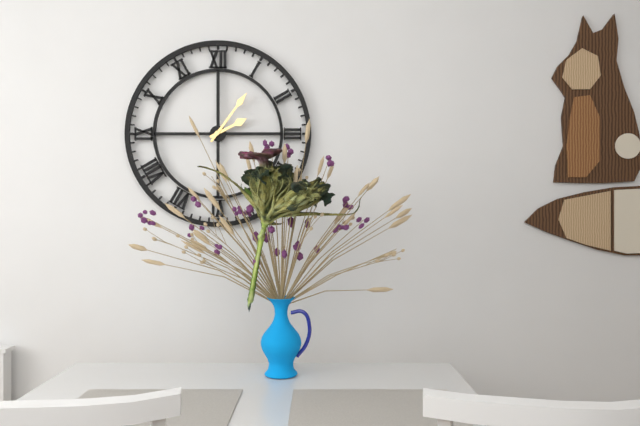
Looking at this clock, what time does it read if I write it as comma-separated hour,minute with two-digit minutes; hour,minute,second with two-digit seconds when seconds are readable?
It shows 2,06
